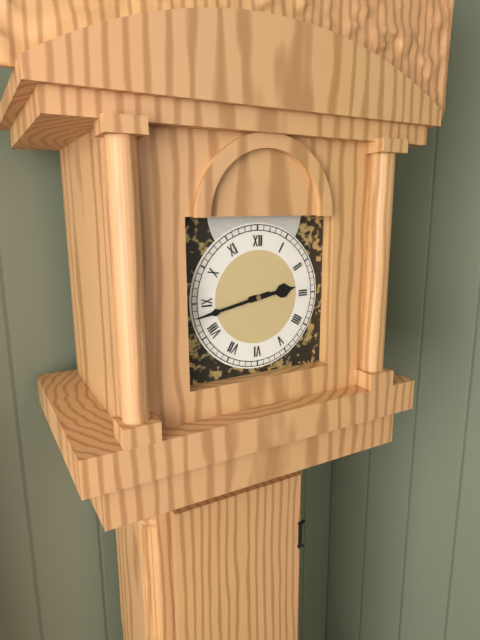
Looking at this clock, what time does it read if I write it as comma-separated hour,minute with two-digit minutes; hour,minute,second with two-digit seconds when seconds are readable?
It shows 2,43
